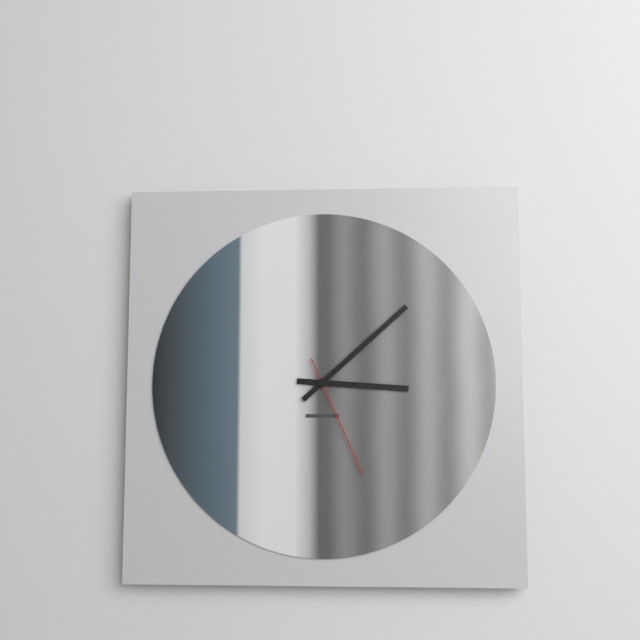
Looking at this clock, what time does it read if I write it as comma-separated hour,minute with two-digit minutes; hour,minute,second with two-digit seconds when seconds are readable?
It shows 3,08,26
